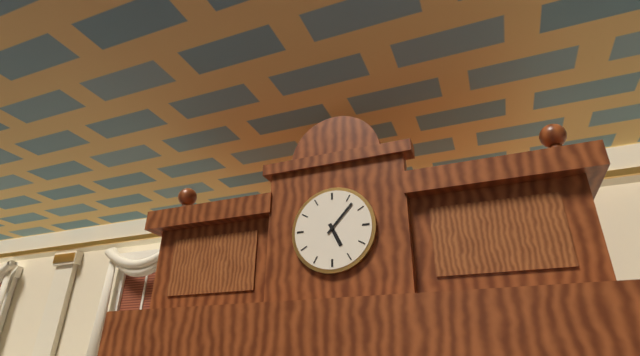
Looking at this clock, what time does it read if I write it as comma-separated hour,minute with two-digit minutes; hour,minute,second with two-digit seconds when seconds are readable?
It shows 5,07
